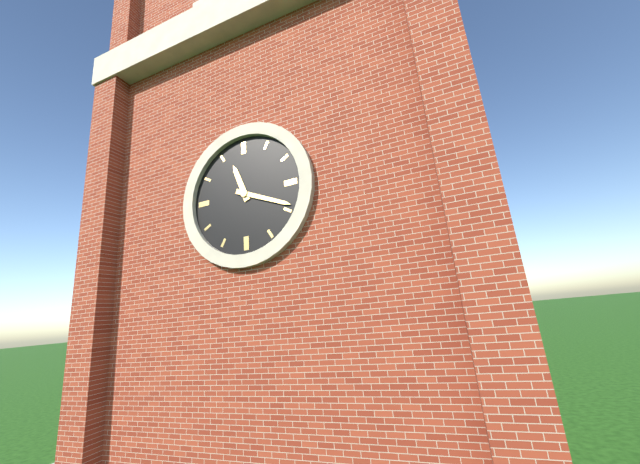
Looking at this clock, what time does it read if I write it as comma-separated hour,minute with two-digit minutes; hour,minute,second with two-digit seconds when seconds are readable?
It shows 11,19
